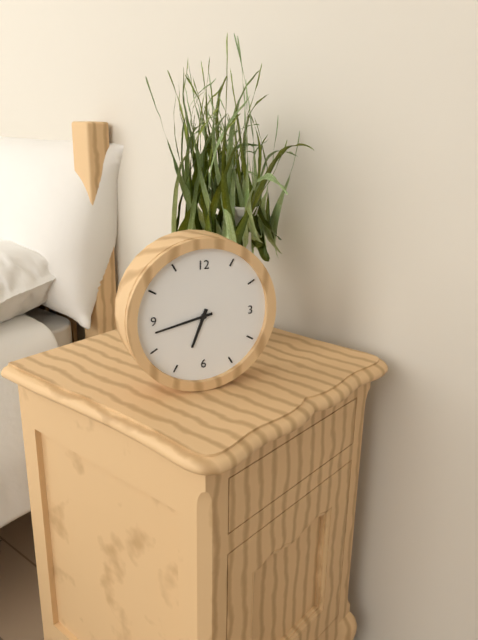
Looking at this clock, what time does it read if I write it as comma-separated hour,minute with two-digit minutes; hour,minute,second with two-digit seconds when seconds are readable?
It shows 6,43
